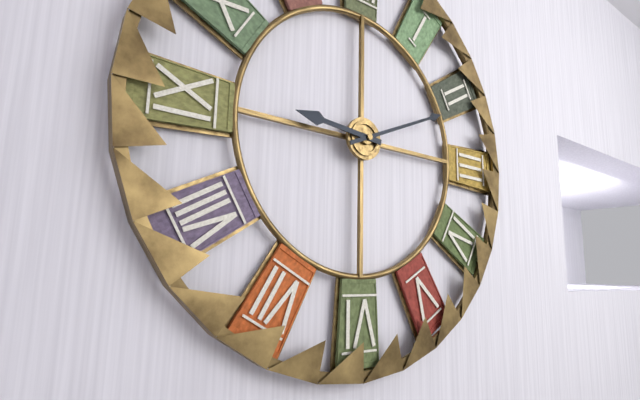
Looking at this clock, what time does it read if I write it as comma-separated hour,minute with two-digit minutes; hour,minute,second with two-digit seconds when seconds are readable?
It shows 9,11
